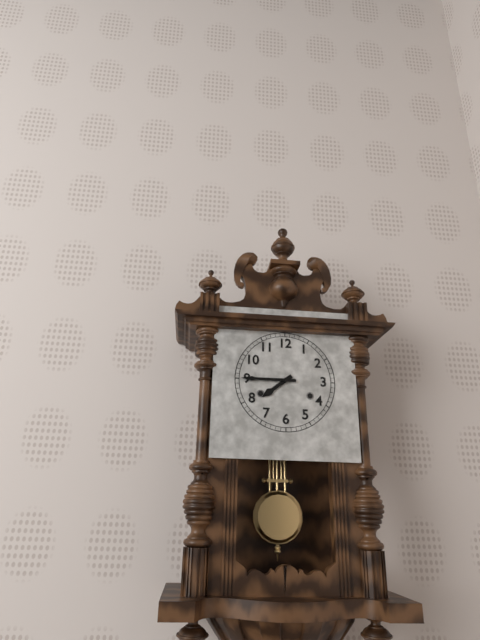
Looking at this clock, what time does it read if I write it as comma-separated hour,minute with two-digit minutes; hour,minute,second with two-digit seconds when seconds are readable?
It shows 7,45
